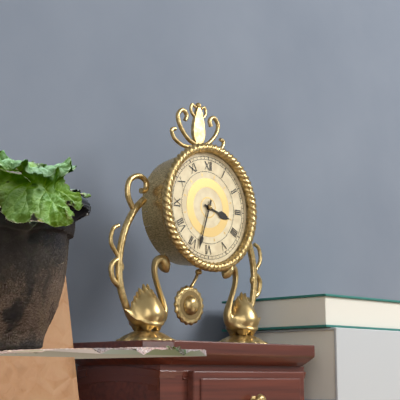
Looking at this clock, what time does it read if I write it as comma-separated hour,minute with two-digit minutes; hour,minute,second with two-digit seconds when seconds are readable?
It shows 3,33
